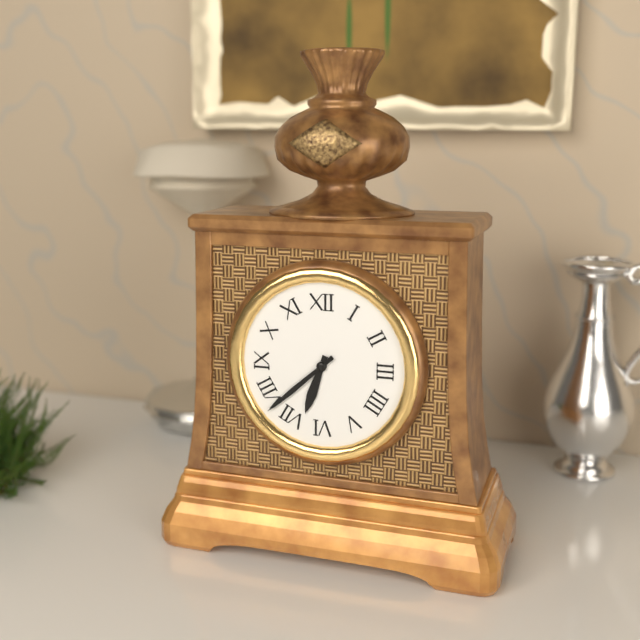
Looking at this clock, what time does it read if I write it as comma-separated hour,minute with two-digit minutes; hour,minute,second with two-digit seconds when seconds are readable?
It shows 6,38
